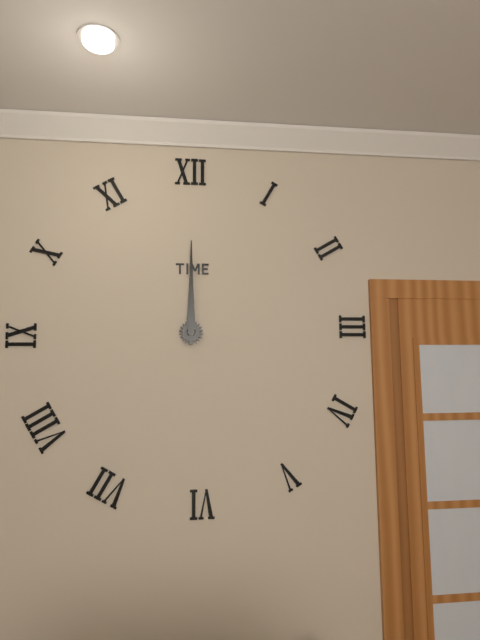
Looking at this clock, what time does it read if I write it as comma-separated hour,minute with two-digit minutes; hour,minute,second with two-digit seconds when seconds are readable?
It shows 12,00
